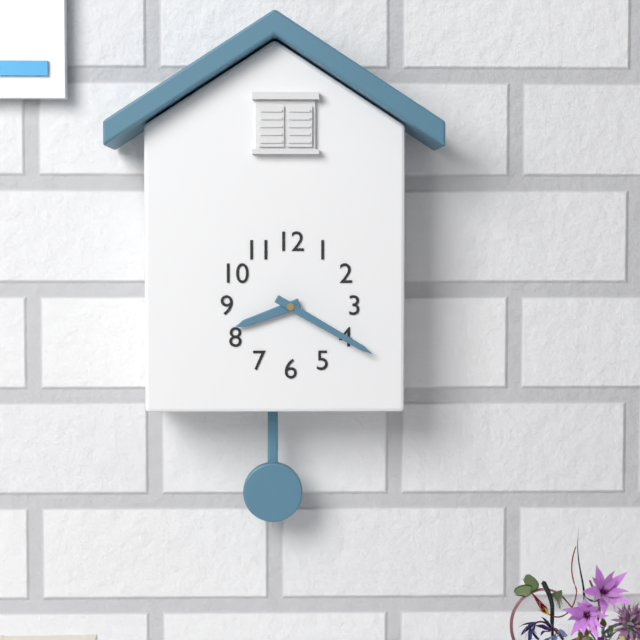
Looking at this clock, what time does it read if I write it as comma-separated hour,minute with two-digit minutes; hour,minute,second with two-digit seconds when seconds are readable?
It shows 8,20
